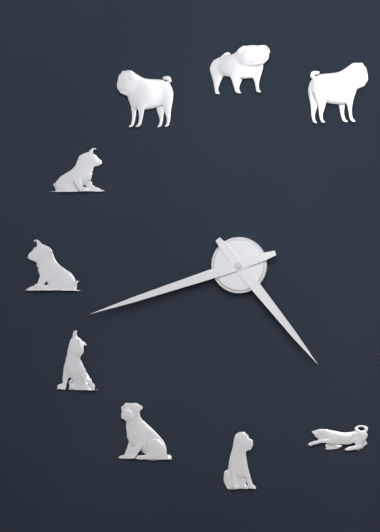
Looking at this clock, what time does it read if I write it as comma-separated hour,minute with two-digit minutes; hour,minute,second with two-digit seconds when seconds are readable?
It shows 4,42
